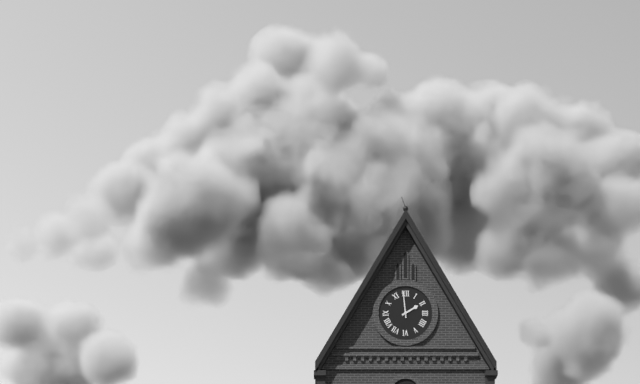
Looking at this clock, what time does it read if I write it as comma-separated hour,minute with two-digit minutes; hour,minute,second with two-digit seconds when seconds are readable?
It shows 1,59
